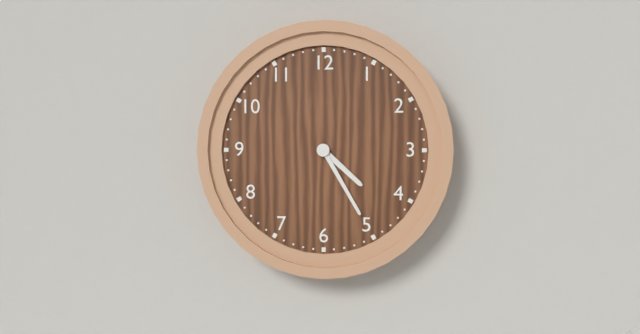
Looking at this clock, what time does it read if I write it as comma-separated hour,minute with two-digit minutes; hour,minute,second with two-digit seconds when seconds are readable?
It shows 4,25
